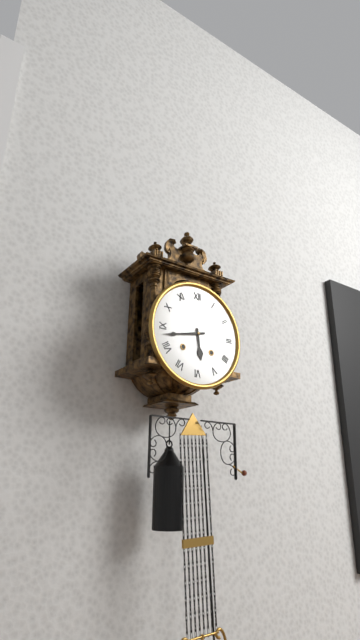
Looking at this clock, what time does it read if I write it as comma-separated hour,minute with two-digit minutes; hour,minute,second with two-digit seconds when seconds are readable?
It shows 5,43
